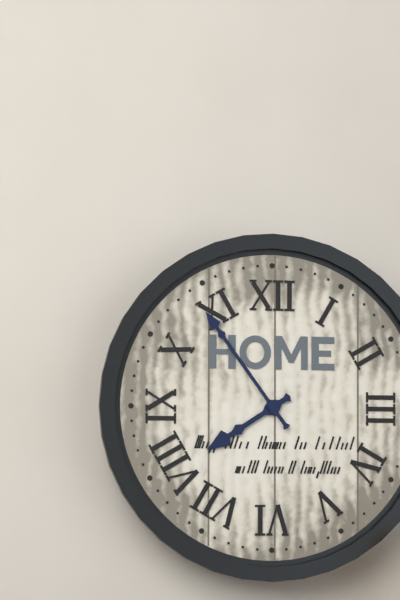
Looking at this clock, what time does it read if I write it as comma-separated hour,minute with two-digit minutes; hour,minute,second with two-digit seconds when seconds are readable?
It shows 7,54
